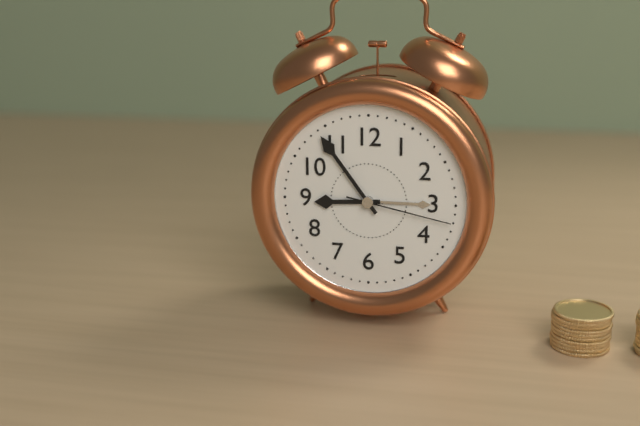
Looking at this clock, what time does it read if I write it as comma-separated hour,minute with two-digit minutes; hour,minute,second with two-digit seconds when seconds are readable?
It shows 8,54,17
